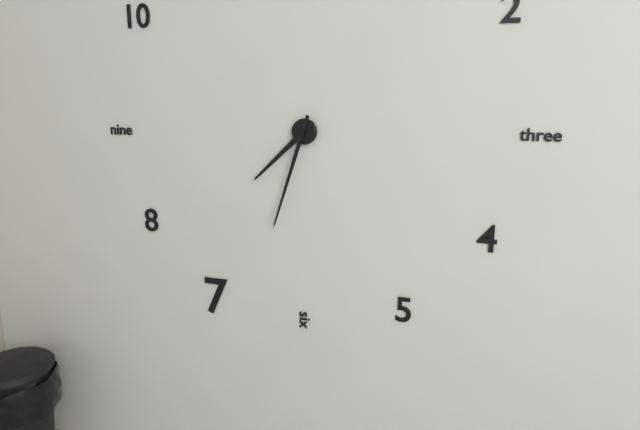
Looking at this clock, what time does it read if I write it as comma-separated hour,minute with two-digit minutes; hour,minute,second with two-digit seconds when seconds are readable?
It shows 7,33
